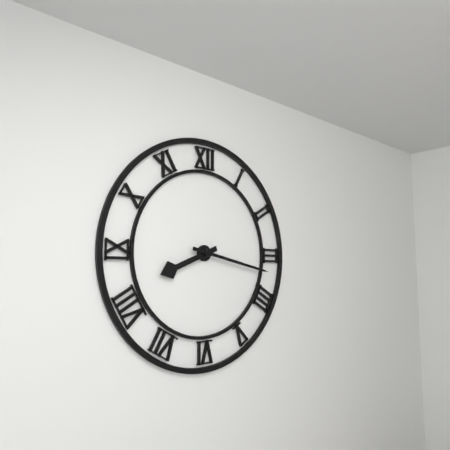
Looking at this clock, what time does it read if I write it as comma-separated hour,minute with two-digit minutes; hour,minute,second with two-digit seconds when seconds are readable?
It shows 8,17
